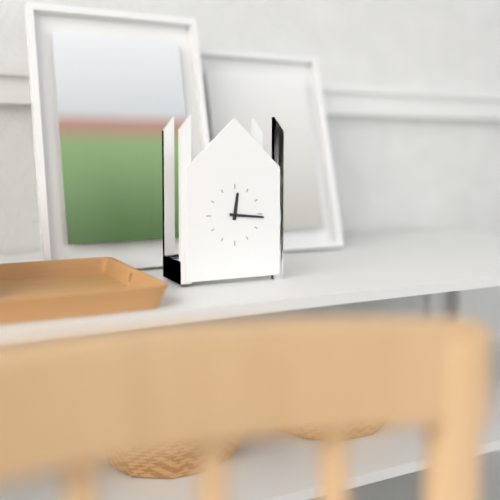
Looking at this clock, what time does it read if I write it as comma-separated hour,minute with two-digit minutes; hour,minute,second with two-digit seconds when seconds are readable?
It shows 12,16
